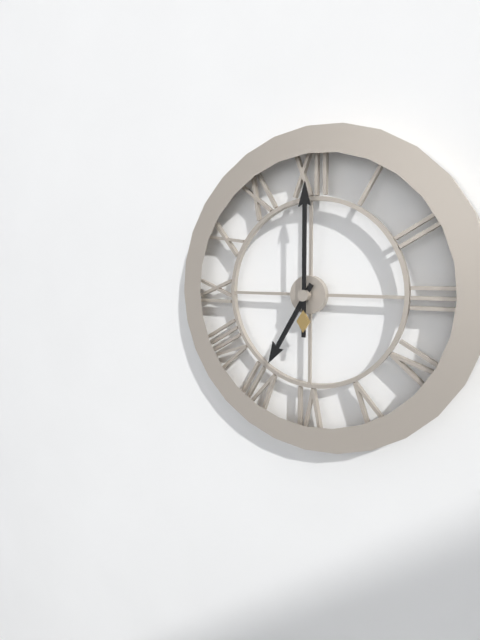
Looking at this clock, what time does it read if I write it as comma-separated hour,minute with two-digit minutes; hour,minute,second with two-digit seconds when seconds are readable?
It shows 7,00
